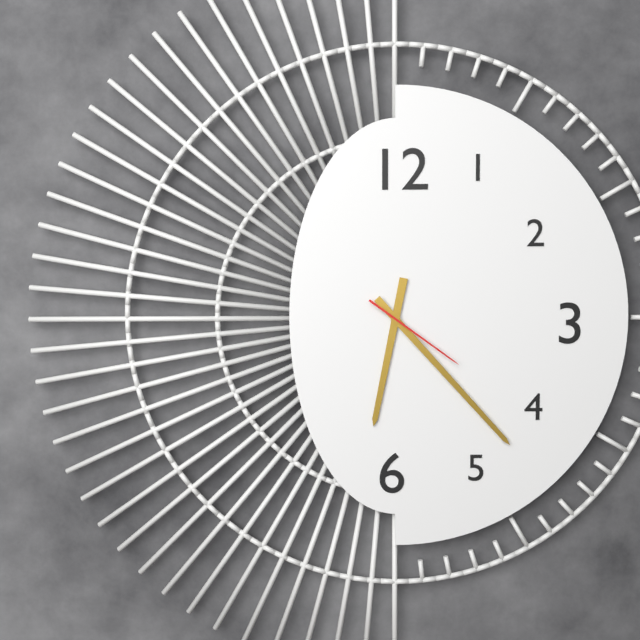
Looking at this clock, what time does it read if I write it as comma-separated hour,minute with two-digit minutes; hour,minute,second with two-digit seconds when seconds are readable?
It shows 6,23,21
